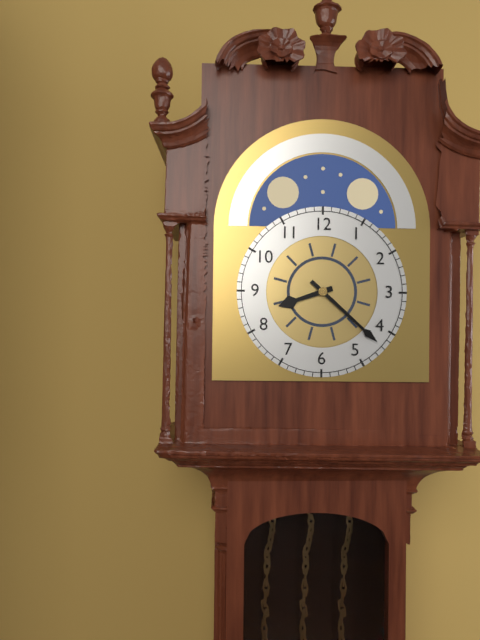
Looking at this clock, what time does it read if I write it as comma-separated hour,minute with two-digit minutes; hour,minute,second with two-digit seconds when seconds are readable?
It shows 8,22
